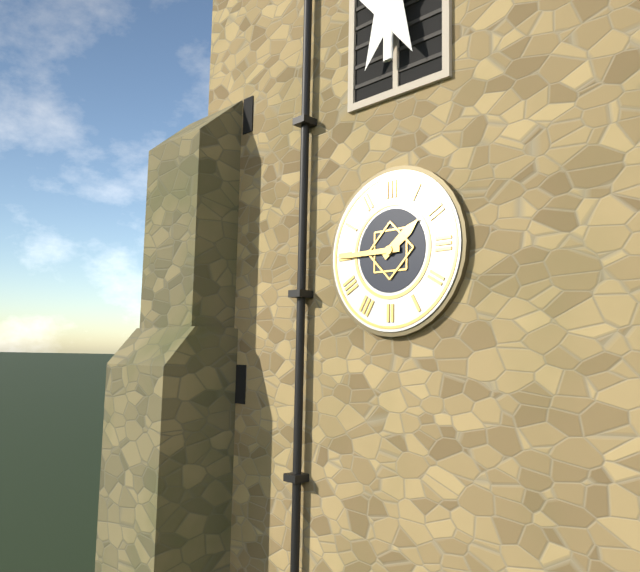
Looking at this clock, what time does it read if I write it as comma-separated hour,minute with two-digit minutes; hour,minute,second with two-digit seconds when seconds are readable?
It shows 1,45
